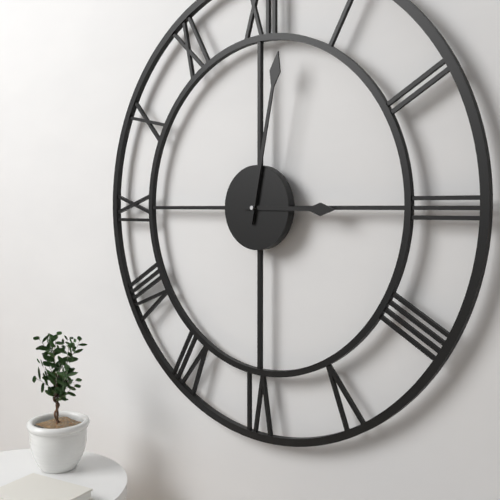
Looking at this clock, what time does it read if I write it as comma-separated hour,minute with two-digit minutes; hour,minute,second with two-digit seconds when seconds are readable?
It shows 3,02
